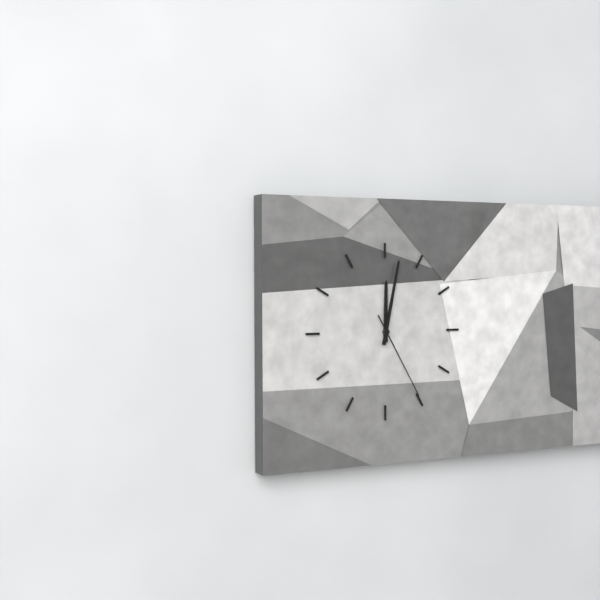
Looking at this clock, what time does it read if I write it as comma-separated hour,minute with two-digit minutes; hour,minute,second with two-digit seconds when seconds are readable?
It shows 12,02,25
